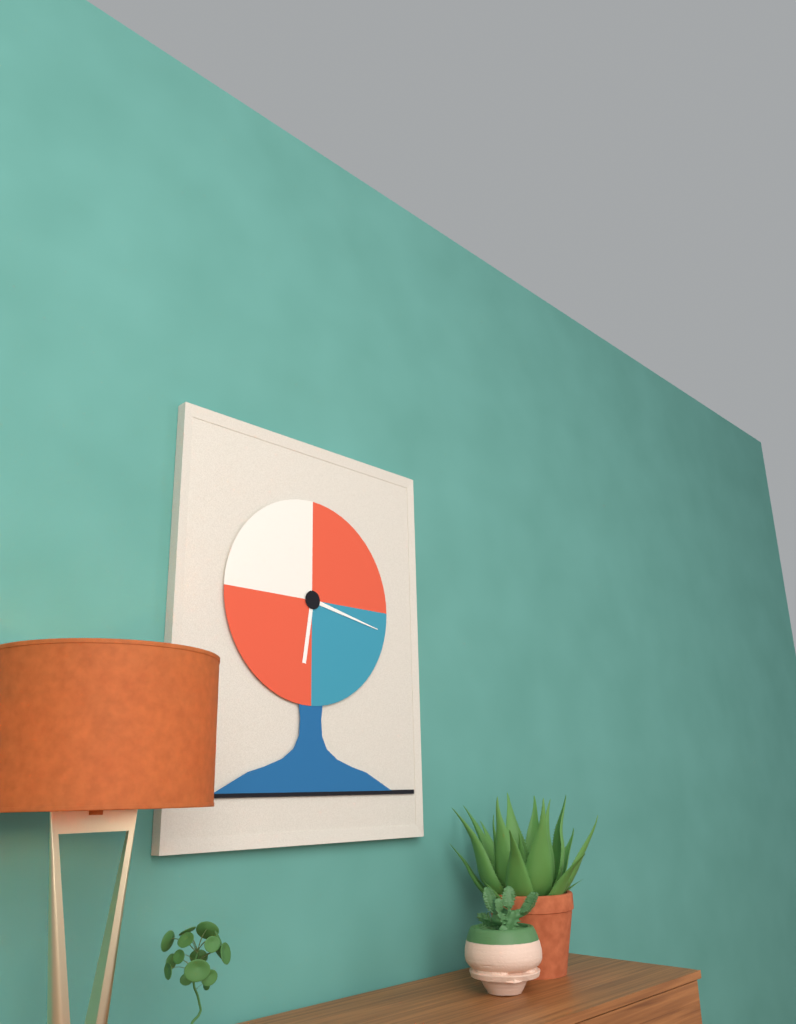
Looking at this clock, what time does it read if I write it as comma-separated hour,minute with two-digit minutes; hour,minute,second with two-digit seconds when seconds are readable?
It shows 6,17
